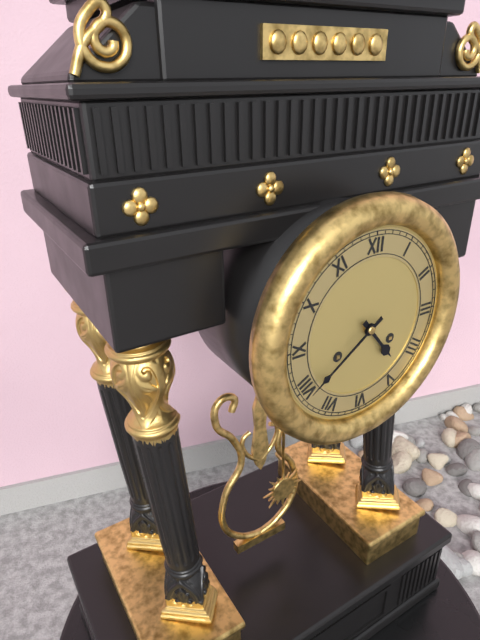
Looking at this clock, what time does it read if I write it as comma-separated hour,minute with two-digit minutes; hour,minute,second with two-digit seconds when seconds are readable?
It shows 4,39
